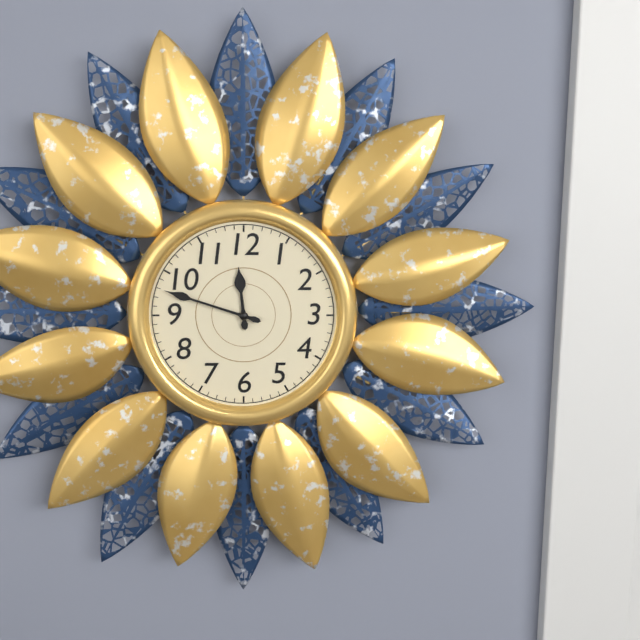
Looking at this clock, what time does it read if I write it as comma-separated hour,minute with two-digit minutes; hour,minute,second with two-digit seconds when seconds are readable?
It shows 11,48
